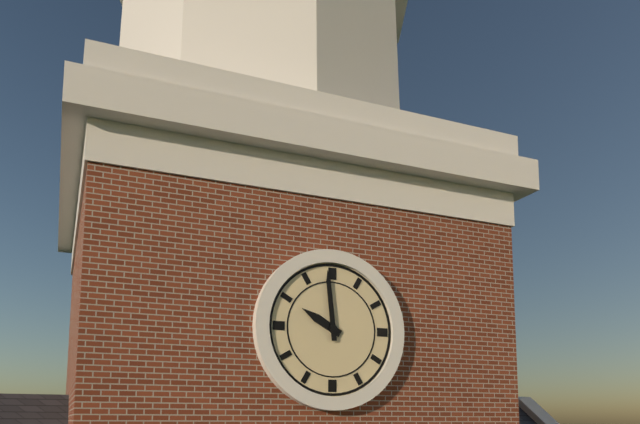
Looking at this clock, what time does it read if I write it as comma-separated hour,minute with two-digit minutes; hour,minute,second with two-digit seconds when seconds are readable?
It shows 9,59
